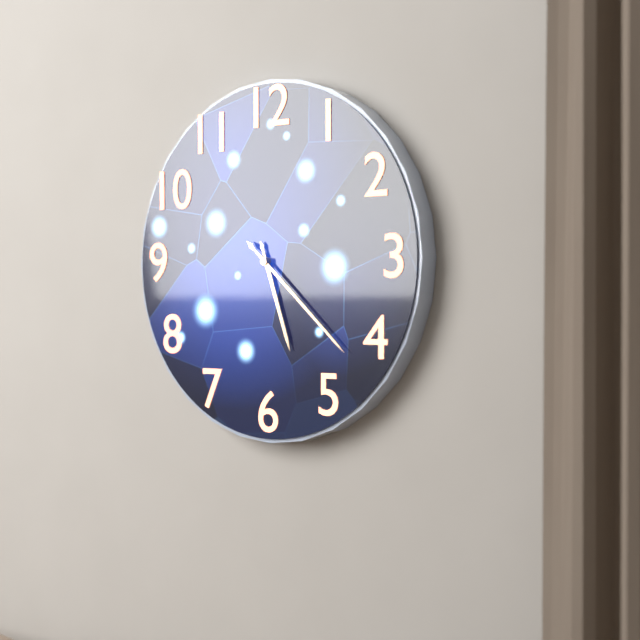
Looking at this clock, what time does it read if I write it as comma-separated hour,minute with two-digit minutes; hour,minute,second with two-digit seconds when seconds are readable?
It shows 5,22
